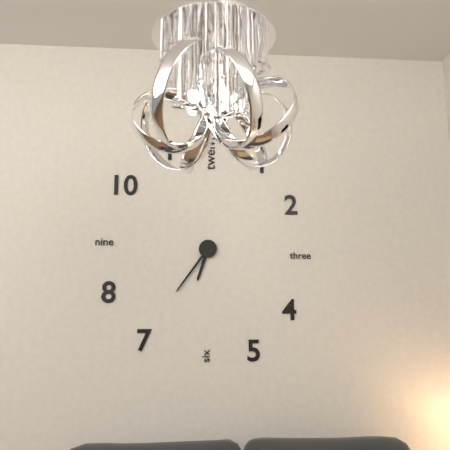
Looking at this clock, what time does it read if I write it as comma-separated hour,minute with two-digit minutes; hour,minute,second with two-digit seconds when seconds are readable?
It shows 6,36
